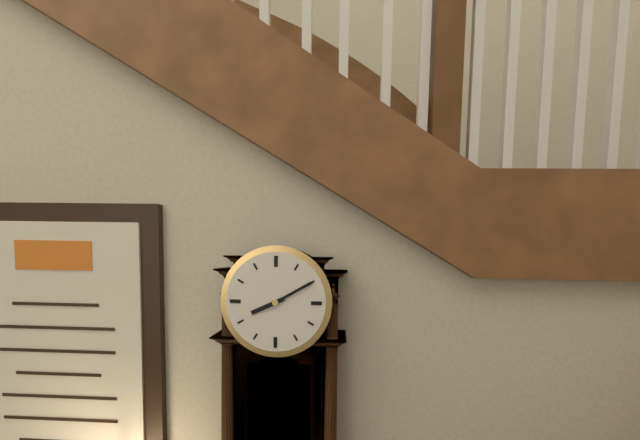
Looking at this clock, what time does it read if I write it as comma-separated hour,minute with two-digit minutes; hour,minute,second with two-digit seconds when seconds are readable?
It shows 8,10
